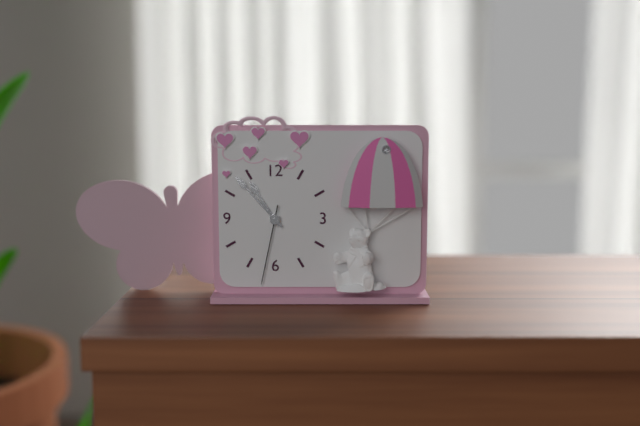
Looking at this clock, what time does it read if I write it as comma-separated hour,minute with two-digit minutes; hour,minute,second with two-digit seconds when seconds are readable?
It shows 10,53,32
